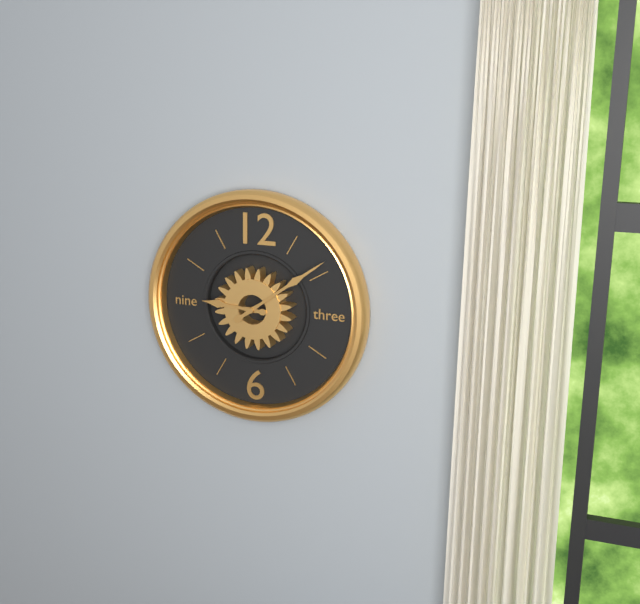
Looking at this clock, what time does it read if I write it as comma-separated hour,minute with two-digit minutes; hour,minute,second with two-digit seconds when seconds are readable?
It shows 9,09
